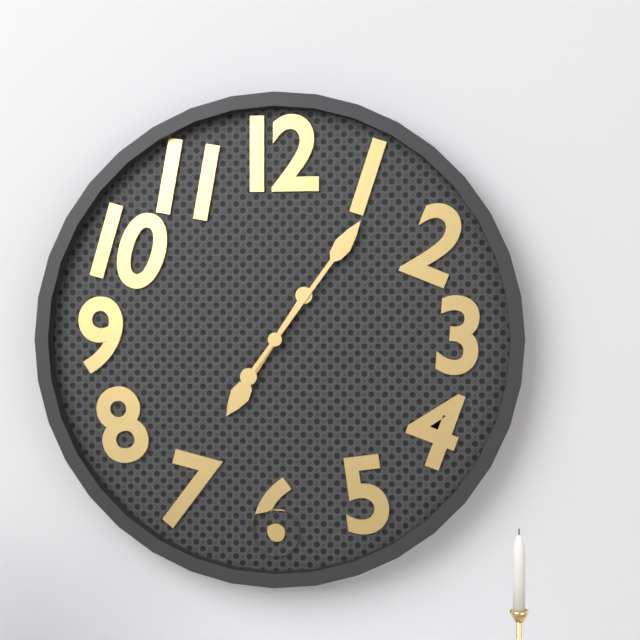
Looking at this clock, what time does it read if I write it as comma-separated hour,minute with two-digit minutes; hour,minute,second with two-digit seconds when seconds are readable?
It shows 7,06
